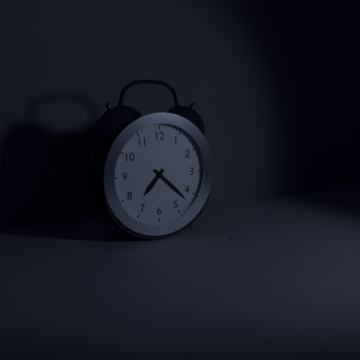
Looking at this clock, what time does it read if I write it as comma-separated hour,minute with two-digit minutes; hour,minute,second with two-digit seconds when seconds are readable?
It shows 7,22
